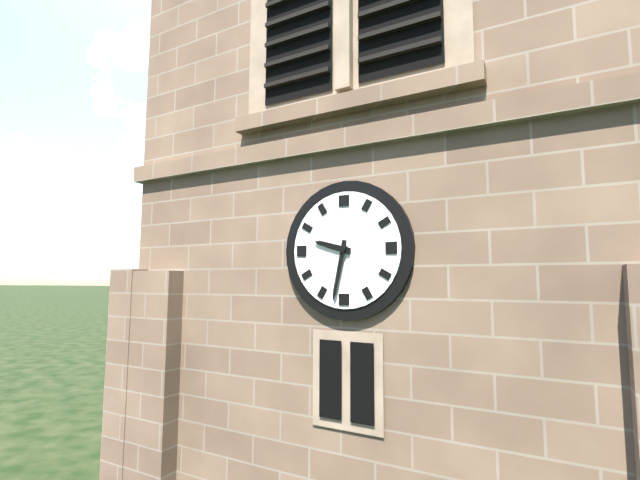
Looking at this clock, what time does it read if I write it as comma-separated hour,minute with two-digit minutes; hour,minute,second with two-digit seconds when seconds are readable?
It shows 9,32
